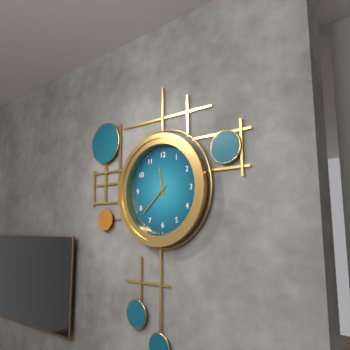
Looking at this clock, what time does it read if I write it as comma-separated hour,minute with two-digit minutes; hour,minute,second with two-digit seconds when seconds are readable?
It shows 11,38
